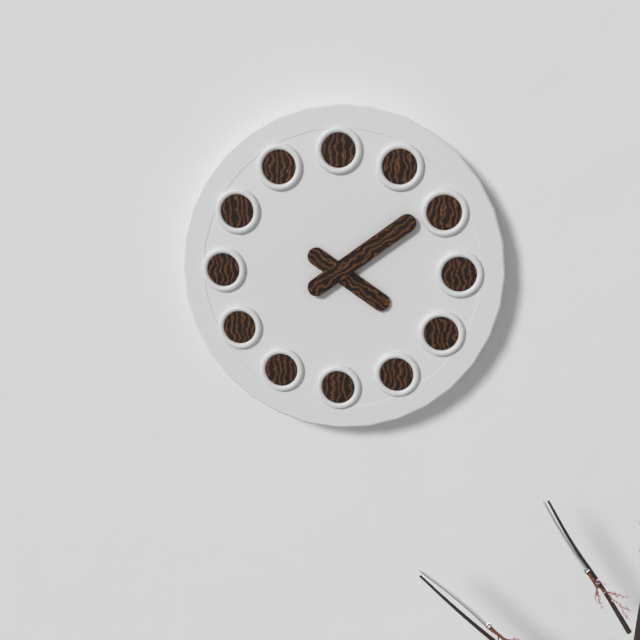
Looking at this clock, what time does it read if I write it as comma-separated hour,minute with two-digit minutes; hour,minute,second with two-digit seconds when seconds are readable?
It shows 4,09
